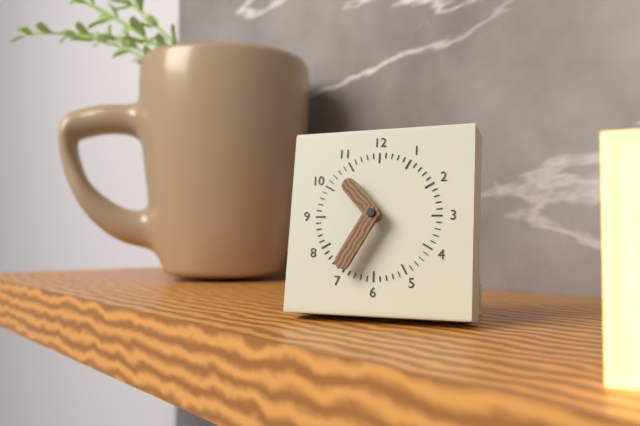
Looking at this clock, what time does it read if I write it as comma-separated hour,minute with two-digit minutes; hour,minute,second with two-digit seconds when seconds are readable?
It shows 10,35
